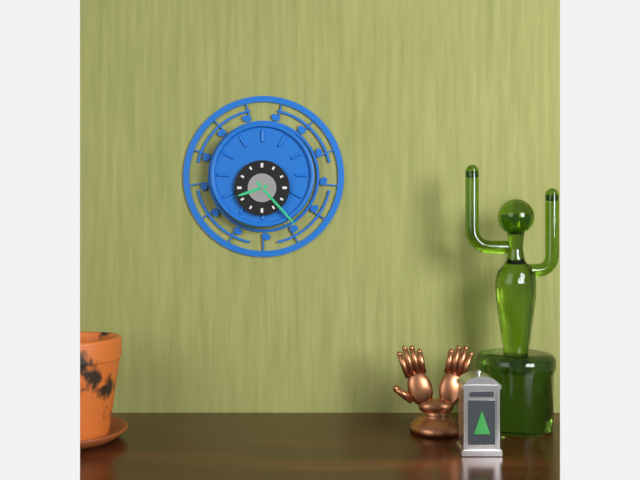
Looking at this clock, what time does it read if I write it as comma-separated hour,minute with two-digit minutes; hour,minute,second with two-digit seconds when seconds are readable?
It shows 8,23
